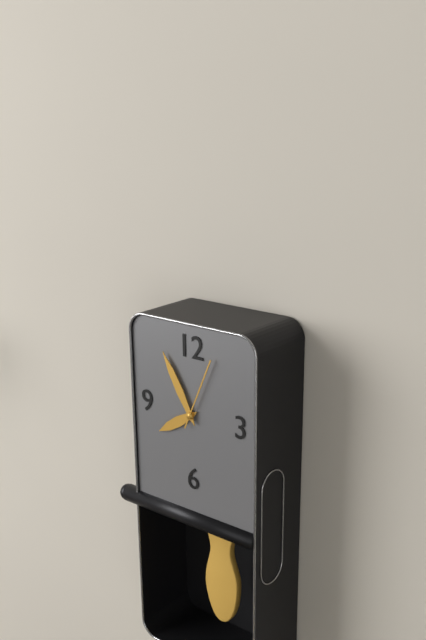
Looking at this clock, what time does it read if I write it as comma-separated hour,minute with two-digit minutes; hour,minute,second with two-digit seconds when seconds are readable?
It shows 7,55,04
